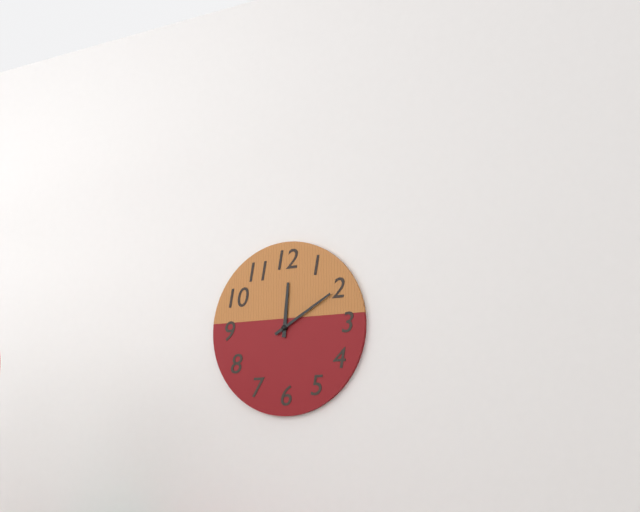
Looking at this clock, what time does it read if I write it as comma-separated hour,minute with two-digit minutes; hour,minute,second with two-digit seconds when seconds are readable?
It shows 12,10
